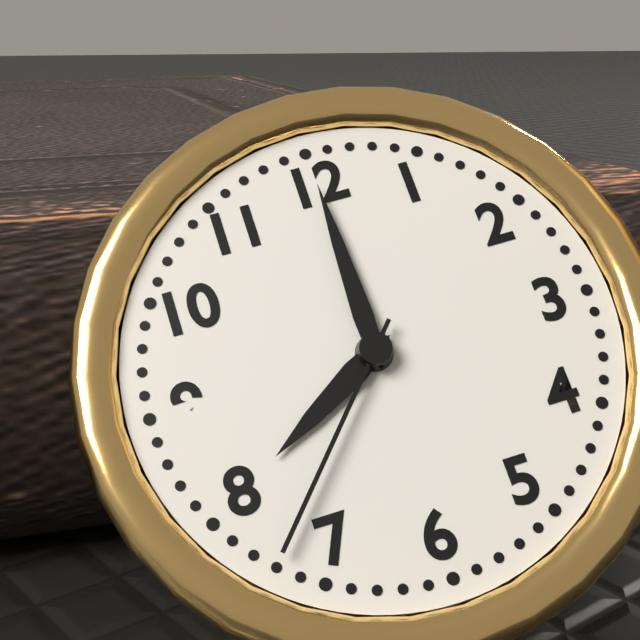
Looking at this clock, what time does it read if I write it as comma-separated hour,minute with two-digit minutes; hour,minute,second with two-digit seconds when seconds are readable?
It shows 8,00,37
